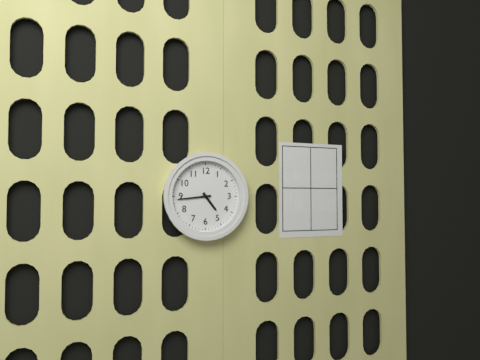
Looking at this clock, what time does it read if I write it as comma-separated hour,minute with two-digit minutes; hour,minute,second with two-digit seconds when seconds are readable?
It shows 4,44
